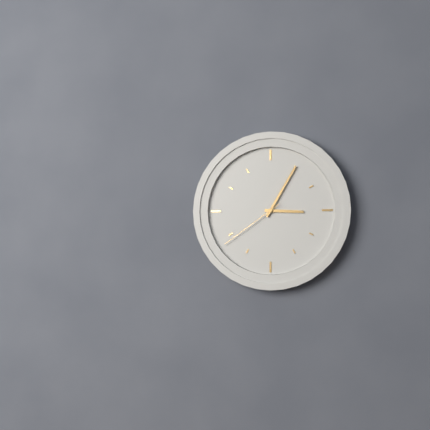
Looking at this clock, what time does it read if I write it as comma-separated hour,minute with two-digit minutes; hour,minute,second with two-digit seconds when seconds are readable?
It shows 3,05,39
